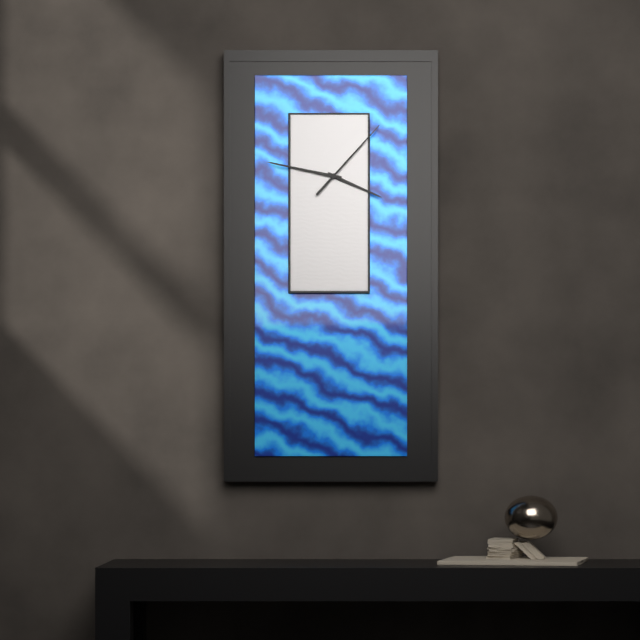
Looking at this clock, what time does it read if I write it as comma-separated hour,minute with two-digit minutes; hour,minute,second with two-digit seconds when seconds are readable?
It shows 3,47,07
